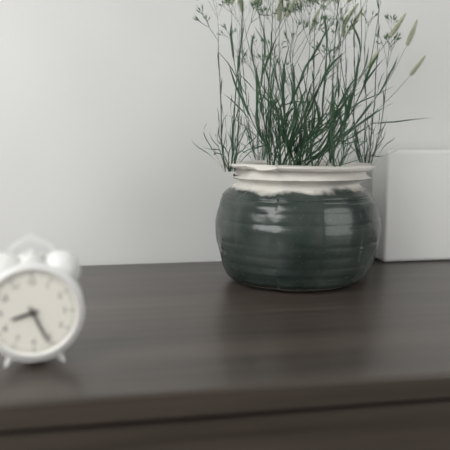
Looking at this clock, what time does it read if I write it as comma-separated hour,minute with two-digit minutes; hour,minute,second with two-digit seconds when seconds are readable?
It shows 8,26
